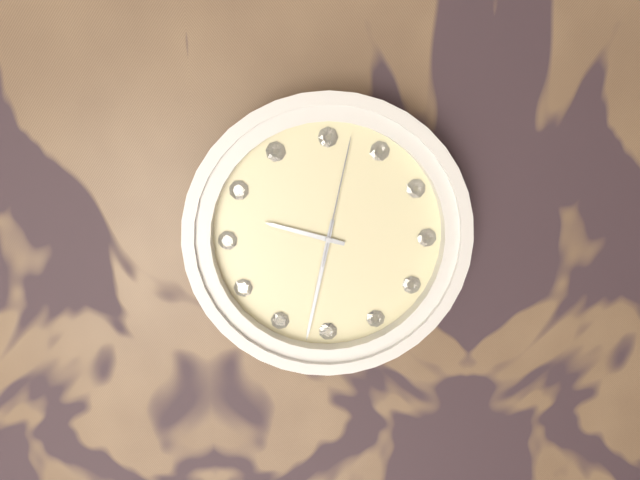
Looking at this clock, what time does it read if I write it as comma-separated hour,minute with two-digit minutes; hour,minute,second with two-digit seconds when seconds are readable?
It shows 9,32,02
